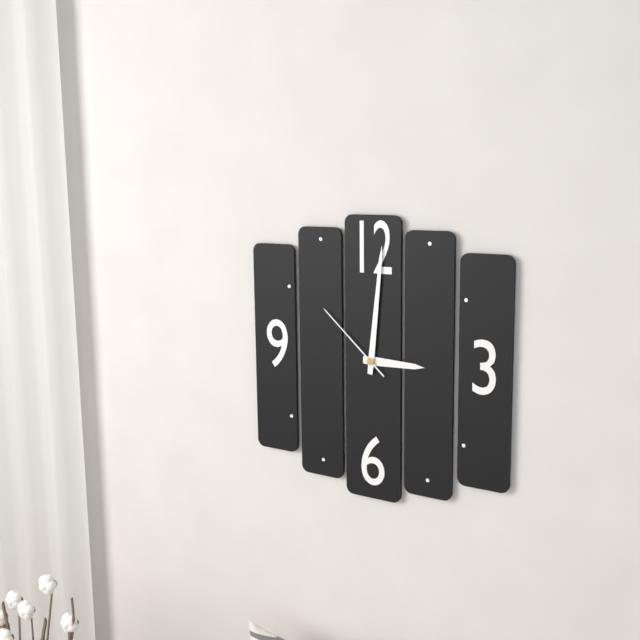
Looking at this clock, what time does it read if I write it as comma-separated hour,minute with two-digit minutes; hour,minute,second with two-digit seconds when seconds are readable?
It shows 3,01,52
